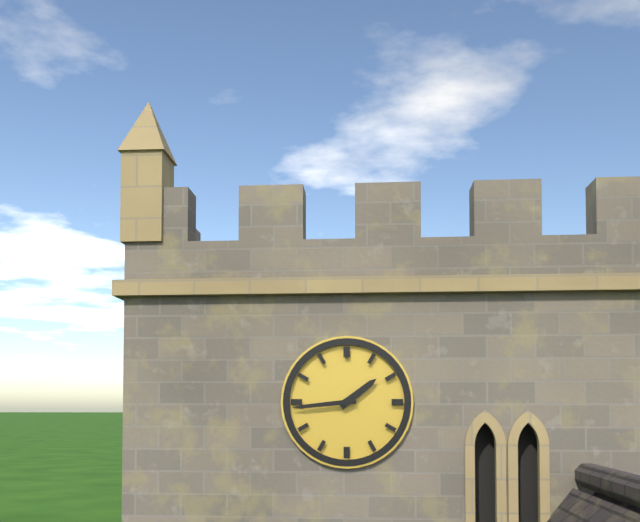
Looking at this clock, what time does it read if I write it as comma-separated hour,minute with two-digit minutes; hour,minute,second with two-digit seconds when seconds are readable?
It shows 1,44
